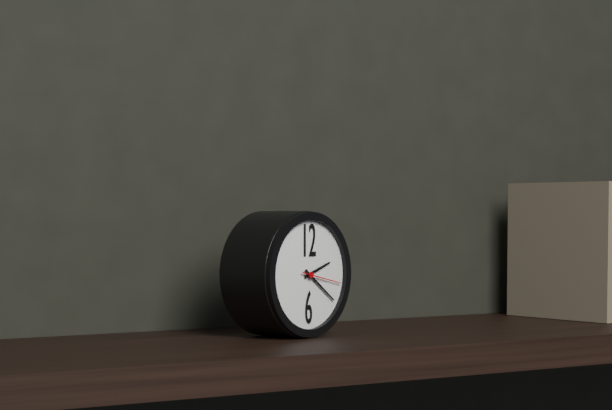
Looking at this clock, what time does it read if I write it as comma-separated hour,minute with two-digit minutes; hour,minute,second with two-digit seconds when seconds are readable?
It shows 2,21
